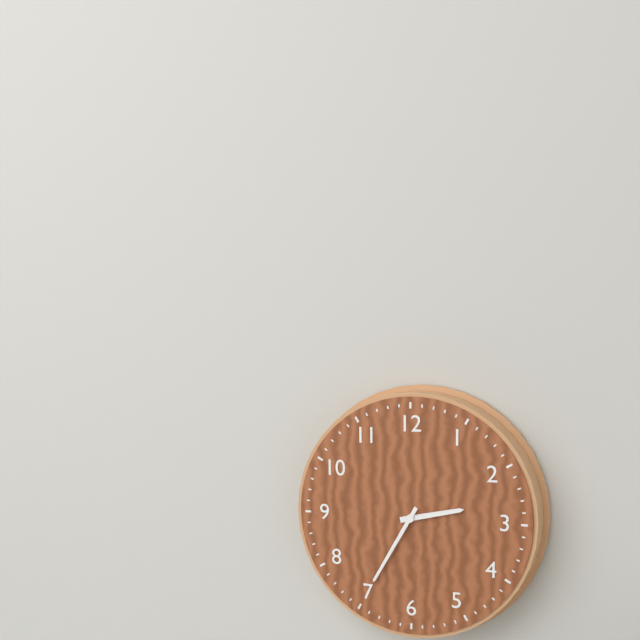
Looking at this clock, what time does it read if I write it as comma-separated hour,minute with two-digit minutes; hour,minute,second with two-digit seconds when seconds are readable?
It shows 2,35
